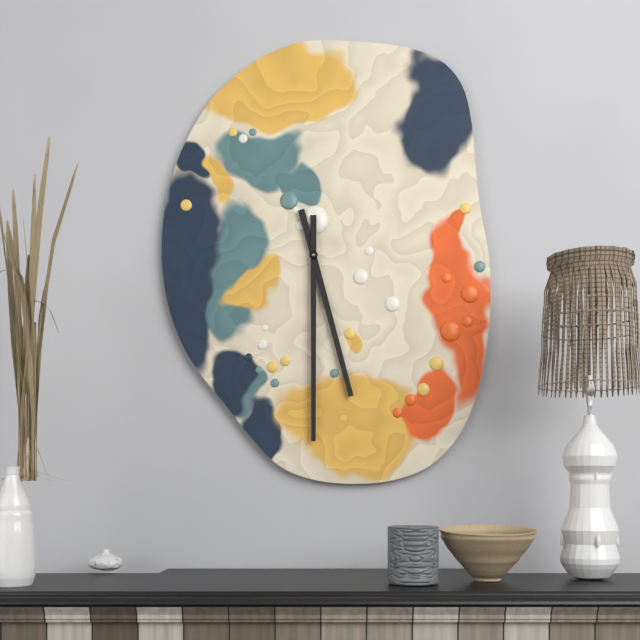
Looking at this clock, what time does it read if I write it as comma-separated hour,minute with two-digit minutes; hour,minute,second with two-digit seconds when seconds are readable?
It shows 5,30
